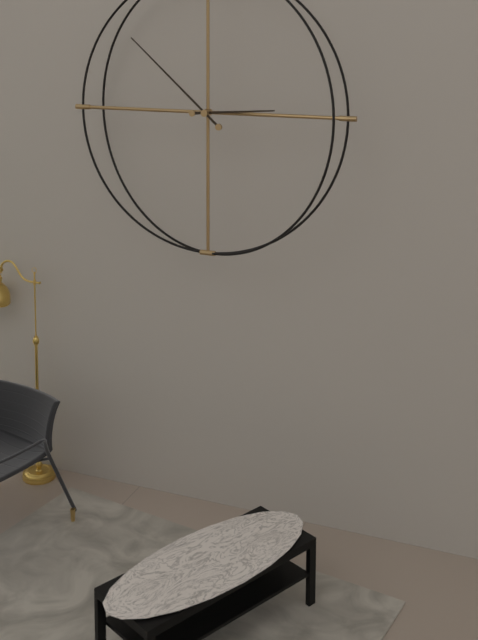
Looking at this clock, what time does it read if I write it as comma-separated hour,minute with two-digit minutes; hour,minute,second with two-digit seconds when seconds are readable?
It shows 2,52
